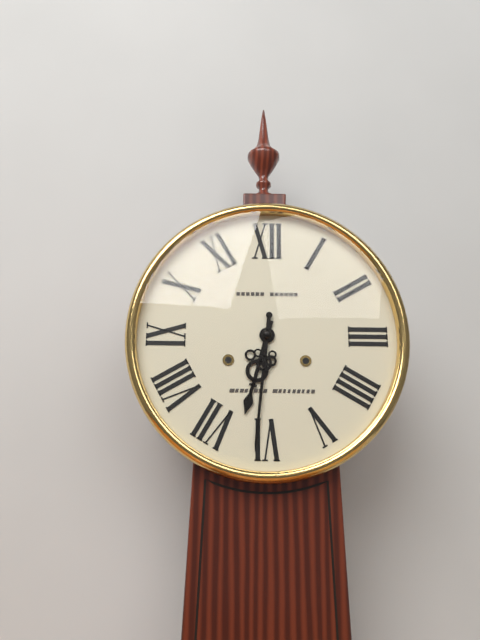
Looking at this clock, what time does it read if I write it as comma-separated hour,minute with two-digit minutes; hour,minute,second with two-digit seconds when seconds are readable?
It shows 6,31
